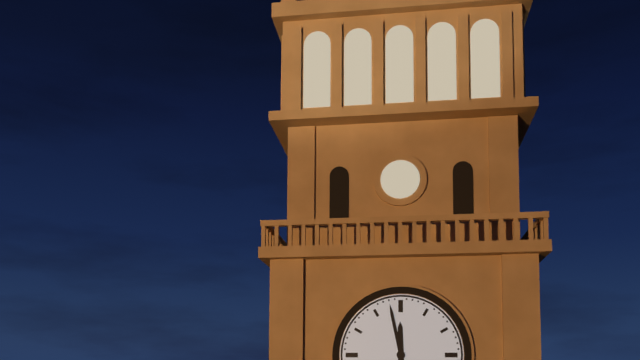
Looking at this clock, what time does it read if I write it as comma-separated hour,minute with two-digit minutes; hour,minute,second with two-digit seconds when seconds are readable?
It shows 11,58
